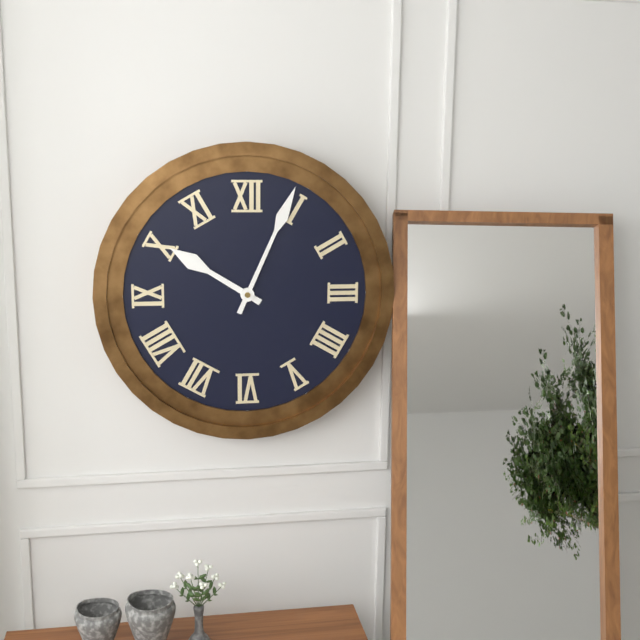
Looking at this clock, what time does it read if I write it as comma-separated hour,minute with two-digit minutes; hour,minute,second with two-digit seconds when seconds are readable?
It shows 10,04
